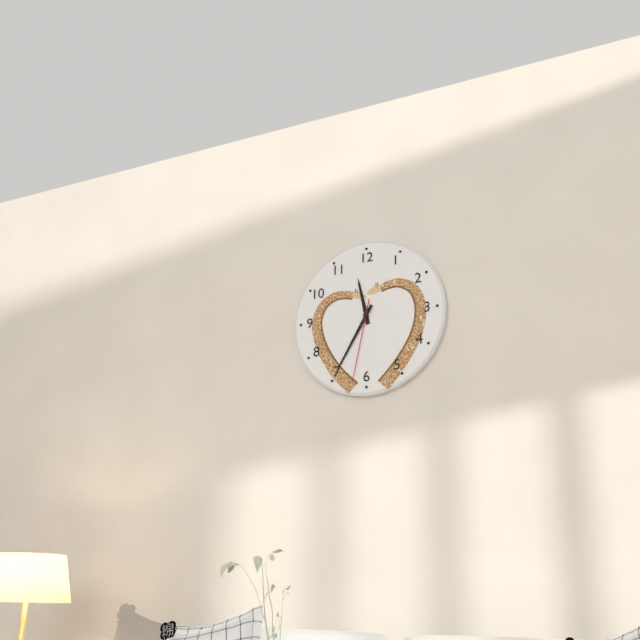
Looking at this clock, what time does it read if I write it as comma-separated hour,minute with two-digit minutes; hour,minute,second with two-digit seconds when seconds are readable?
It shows 11,35,32
